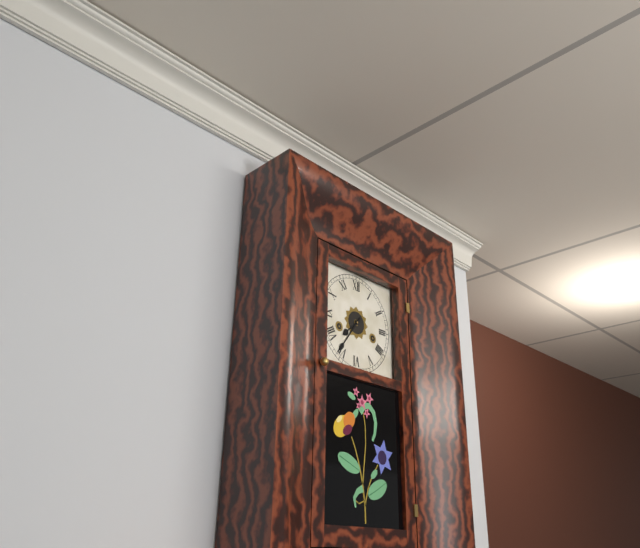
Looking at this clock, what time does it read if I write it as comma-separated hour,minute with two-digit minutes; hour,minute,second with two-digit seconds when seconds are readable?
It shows 7,36
